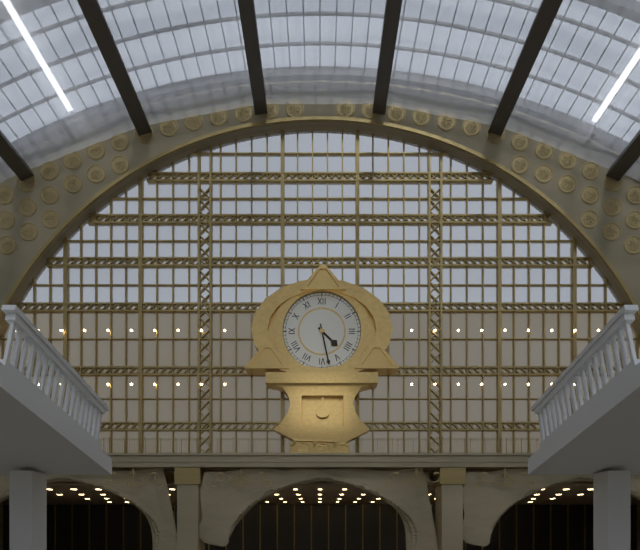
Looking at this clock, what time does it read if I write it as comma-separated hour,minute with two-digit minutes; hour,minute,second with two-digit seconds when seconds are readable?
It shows 4,28
